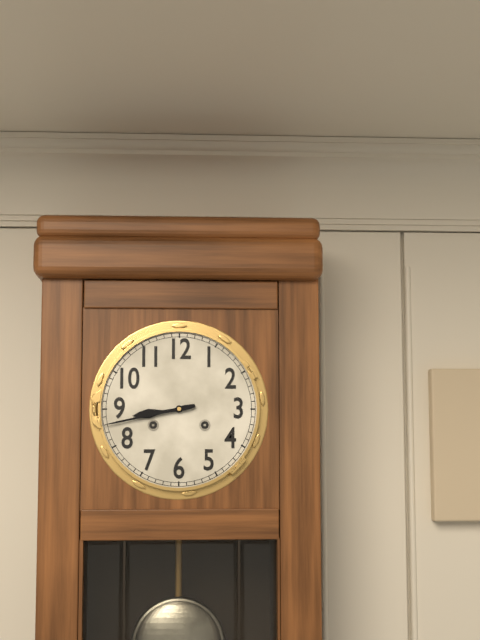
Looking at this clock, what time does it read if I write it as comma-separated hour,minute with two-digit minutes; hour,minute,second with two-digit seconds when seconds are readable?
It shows 8,43
